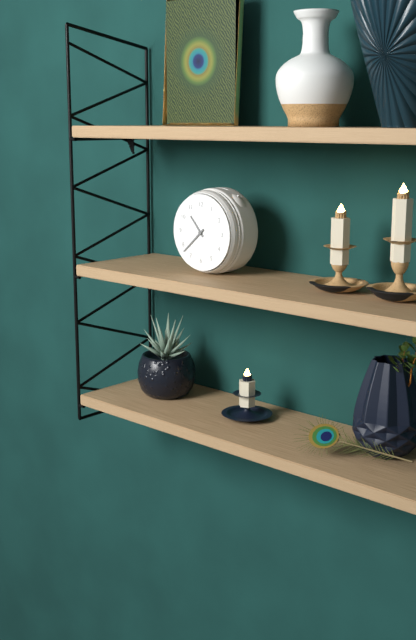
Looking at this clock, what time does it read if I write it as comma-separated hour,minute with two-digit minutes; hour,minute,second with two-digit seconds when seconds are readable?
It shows 10,38
